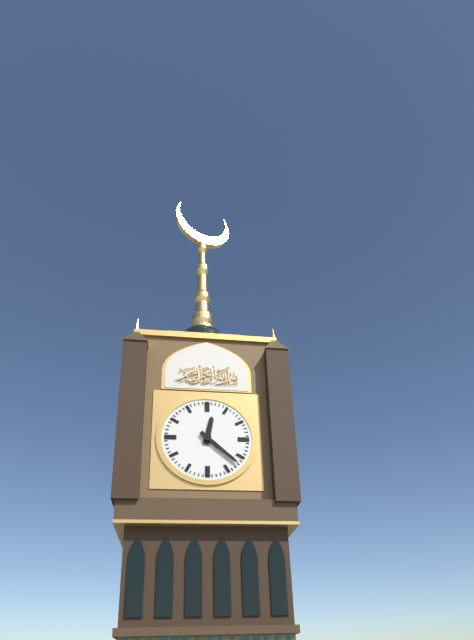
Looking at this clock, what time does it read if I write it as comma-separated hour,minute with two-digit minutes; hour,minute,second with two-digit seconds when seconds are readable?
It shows 12,22
